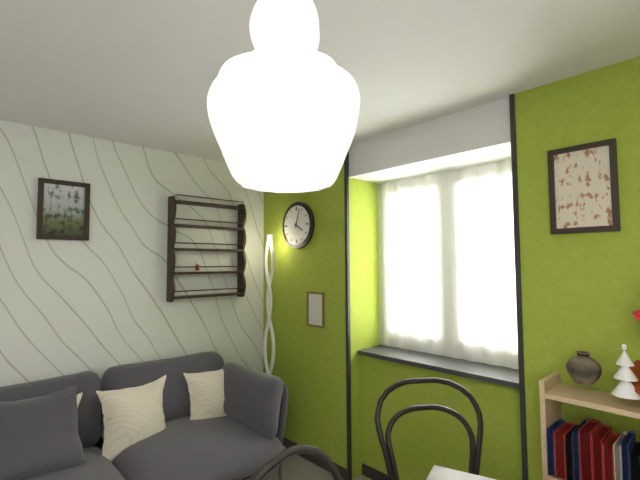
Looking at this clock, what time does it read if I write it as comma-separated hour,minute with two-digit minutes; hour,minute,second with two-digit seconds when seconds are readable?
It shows 4,03
